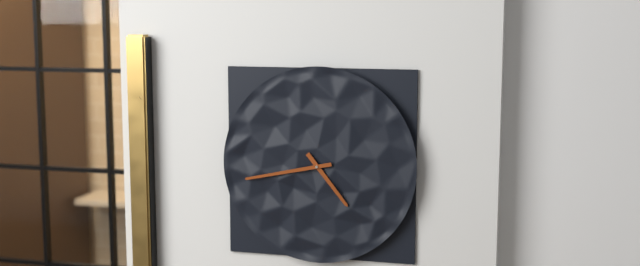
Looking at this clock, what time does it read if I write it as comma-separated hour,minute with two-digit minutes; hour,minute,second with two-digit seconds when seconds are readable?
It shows 4,43
